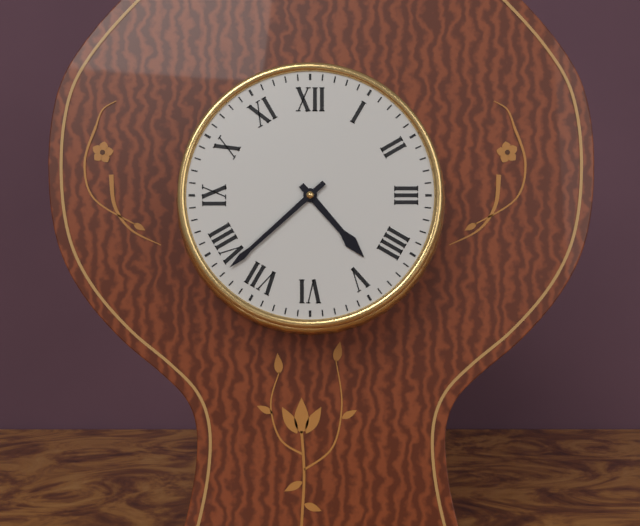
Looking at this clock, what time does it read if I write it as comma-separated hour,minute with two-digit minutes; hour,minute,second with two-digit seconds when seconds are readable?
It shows 4,38
